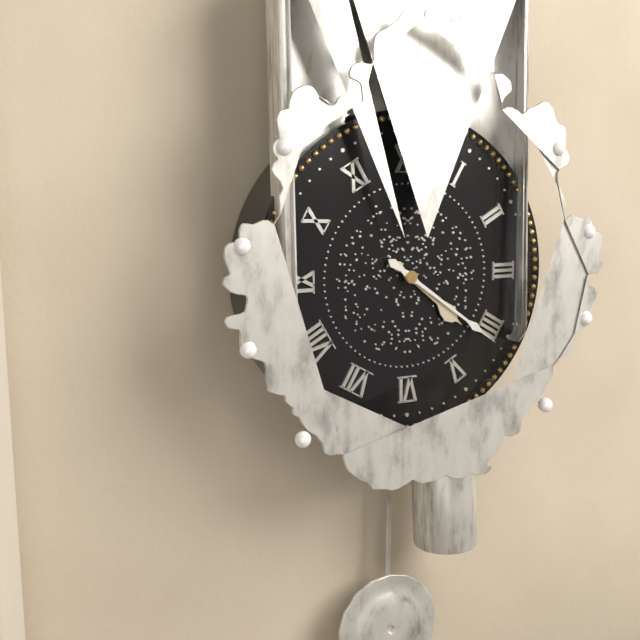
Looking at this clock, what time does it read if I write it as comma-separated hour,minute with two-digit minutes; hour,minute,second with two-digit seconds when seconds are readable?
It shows 4,21
